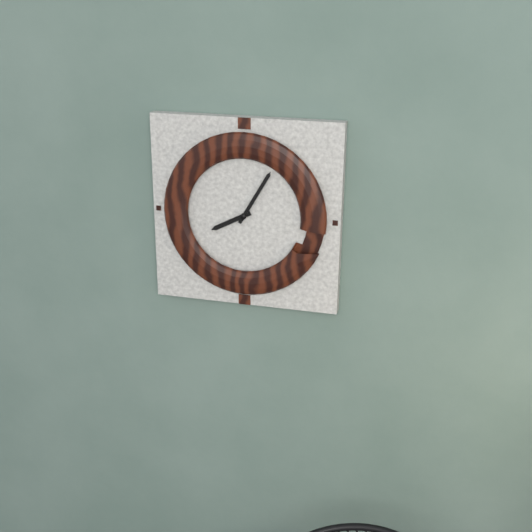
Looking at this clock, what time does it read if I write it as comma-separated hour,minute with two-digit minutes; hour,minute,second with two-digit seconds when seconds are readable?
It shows 8,05
